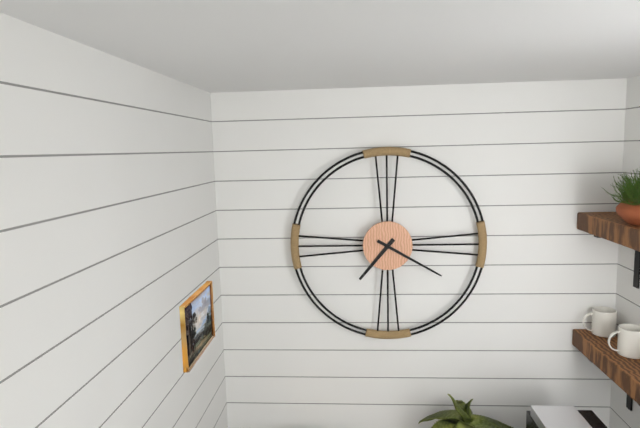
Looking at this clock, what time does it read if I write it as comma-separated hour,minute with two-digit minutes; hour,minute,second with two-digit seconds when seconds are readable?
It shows 7,20
